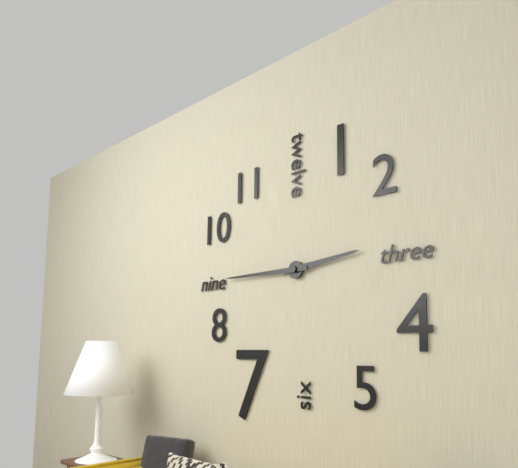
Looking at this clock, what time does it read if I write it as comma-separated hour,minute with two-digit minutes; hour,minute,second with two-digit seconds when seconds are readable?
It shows 2,45
